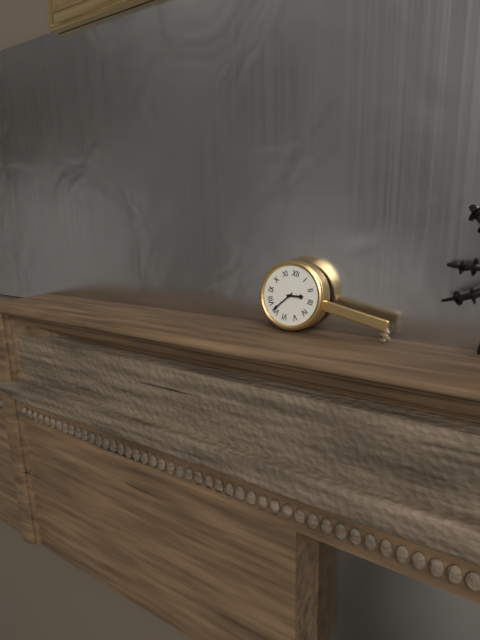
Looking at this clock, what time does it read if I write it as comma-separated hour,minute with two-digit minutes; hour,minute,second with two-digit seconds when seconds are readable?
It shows 2,36
